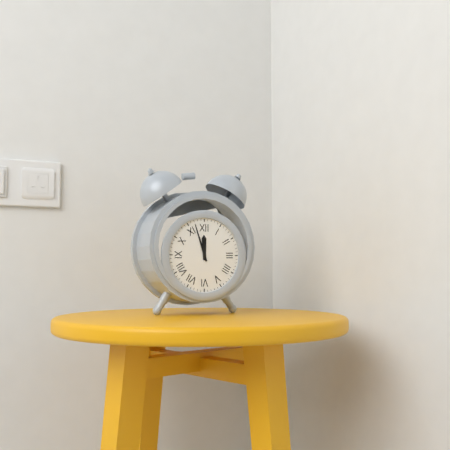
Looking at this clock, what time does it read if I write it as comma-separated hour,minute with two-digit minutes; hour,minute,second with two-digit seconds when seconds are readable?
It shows 11,57
